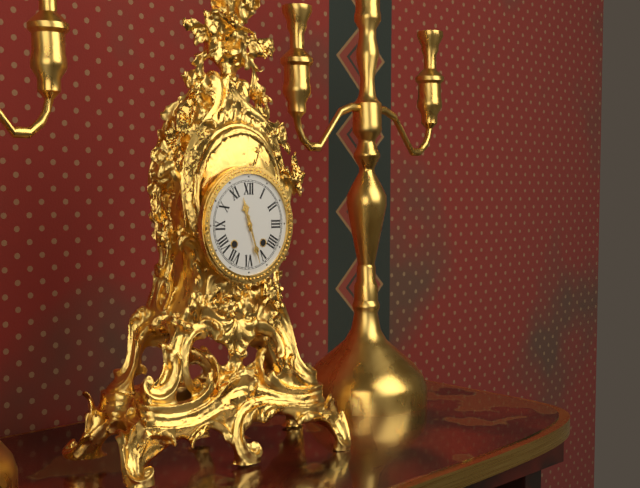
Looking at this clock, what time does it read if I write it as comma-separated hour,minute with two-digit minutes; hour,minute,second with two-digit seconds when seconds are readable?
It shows 11,27
